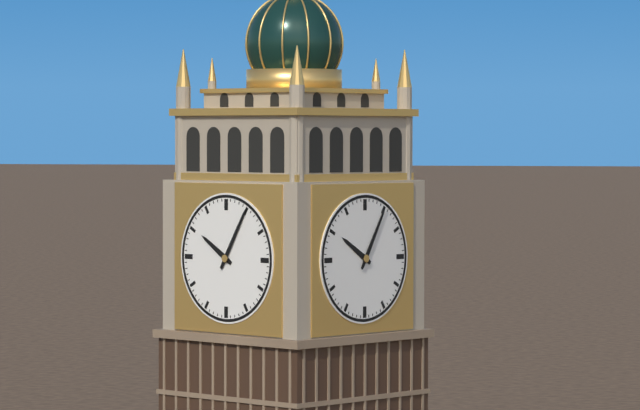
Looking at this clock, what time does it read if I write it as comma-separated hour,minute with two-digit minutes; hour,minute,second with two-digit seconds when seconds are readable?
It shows 10,05
